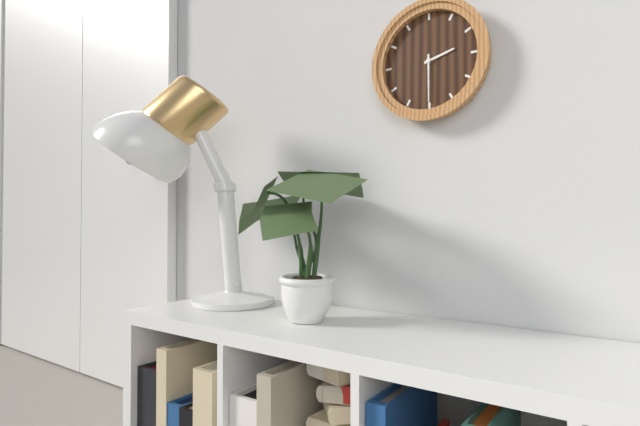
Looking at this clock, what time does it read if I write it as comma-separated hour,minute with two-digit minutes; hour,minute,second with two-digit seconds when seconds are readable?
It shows 2,30
